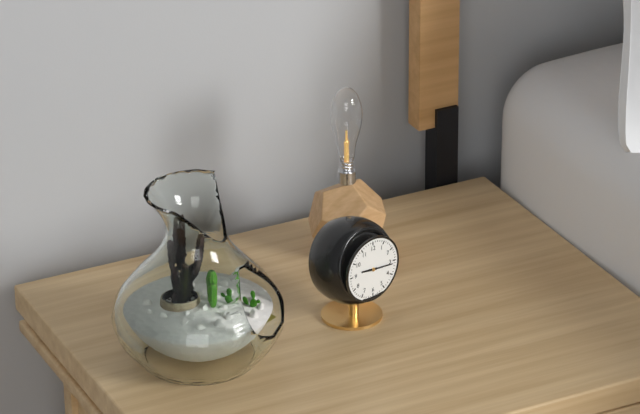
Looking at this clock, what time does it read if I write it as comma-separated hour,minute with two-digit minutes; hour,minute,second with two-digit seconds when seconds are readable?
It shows 9,16
